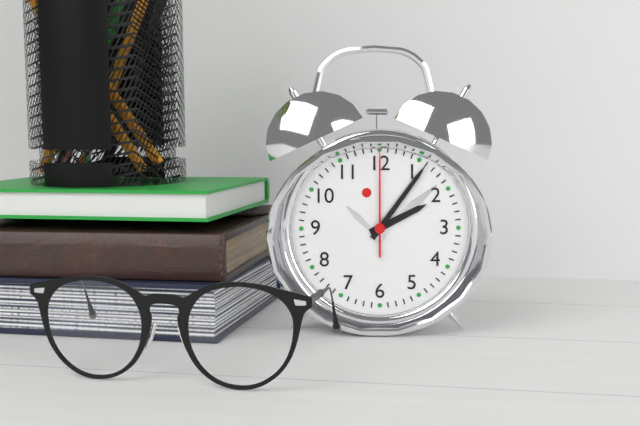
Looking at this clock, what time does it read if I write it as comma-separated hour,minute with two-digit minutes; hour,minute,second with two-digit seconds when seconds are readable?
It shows 2,06,00
